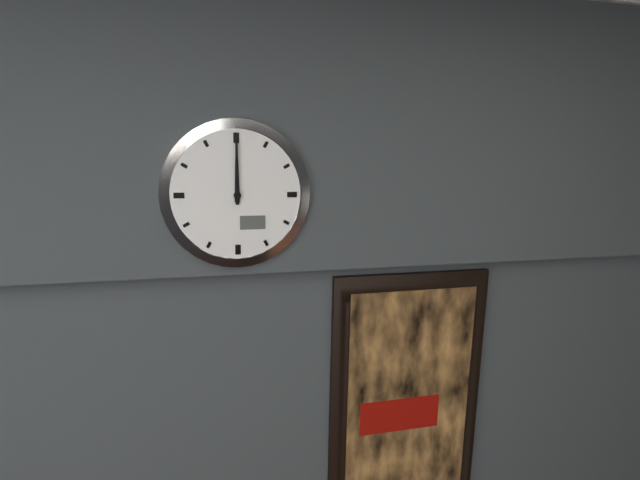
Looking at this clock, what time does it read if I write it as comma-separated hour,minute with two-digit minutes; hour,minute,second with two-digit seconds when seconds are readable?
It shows 12,00
